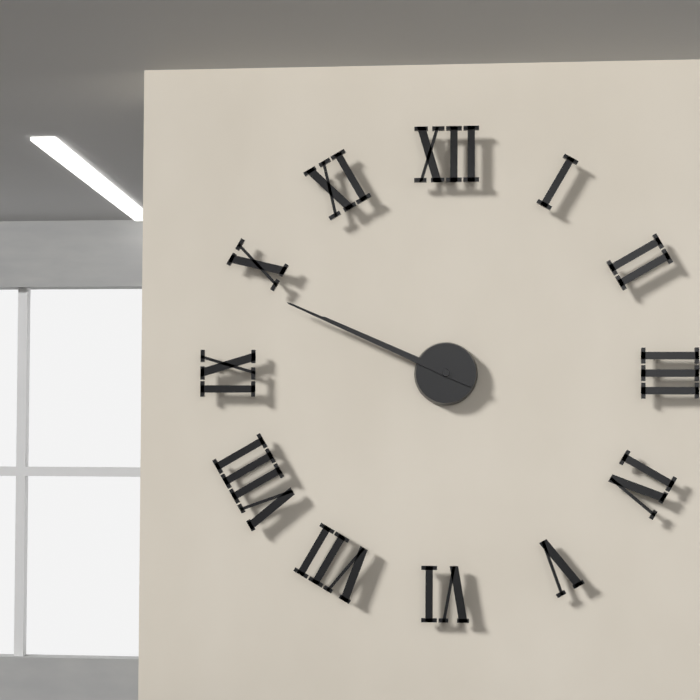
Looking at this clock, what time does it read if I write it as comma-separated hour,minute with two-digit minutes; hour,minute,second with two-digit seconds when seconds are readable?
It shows 9,49
